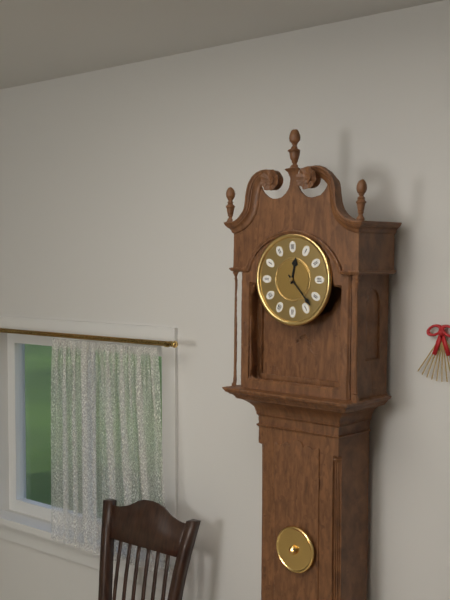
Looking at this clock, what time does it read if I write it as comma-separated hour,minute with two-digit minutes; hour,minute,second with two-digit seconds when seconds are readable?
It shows 12,23
